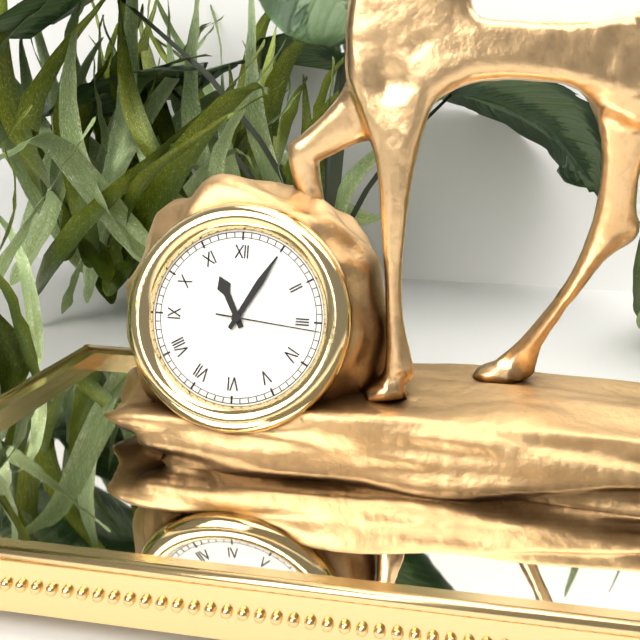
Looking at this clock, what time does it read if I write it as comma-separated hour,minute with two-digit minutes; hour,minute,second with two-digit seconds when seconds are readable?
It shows 11,05,16
